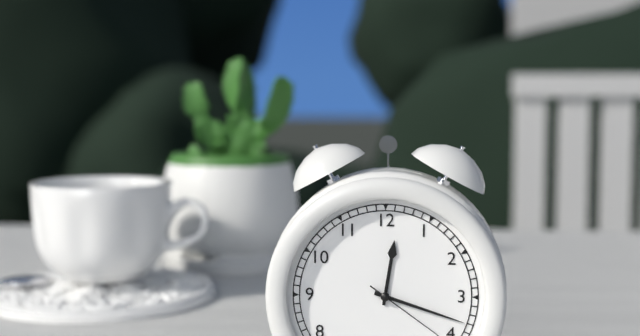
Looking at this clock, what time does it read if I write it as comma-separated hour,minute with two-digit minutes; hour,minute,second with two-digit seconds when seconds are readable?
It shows 12,18
